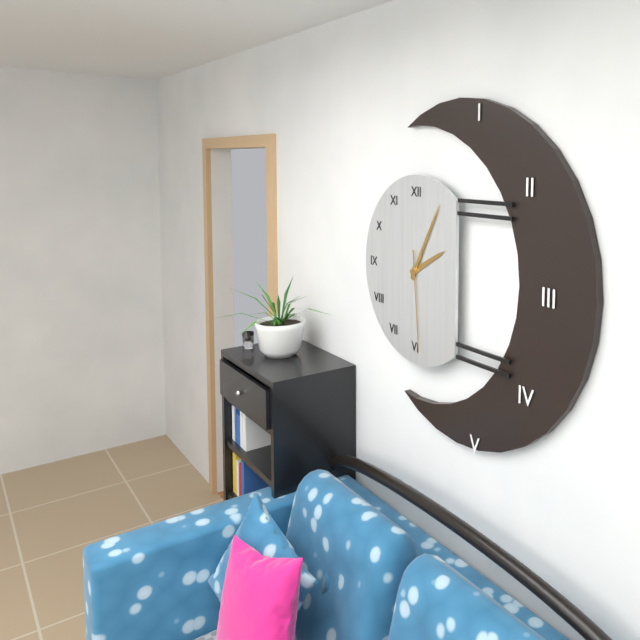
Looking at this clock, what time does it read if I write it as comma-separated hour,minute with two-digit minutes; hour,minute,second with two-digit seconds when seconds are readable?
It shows 2,05,29
